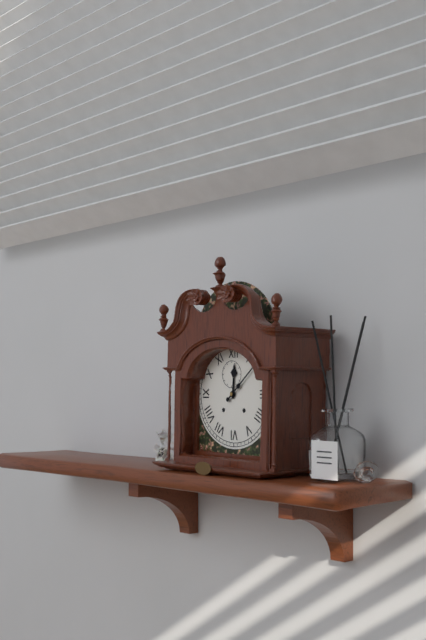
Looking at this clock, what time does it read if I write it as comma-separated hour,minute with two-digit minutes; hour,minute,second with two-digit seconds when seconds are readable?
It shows 12,08
